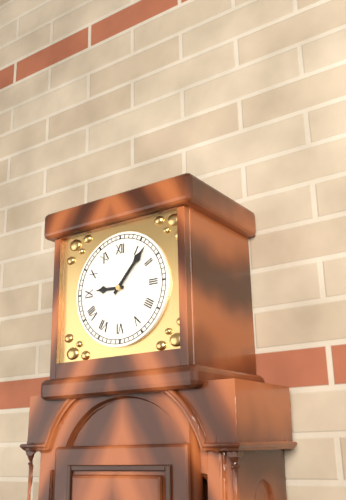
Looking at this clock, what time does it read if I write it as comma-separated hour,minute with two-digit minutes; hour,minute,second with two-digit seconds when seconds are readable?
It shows 9,07
